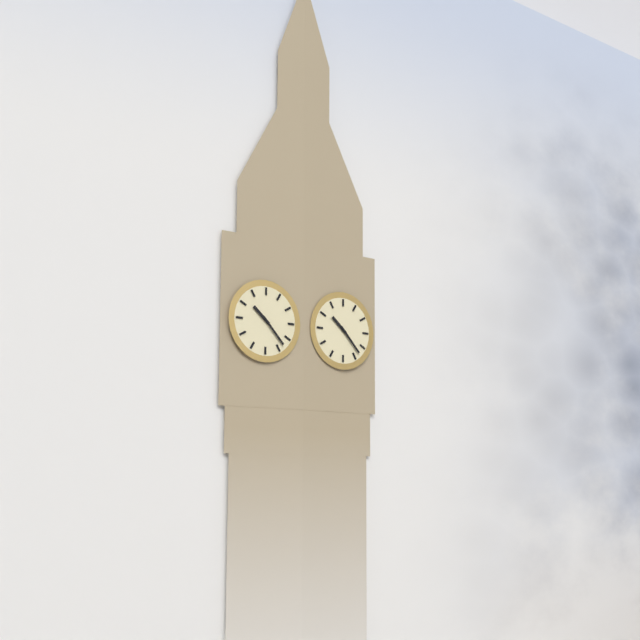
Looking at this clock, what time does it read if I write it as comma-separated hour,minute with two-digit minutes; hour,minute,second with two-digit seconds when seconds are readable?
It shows 10,23
